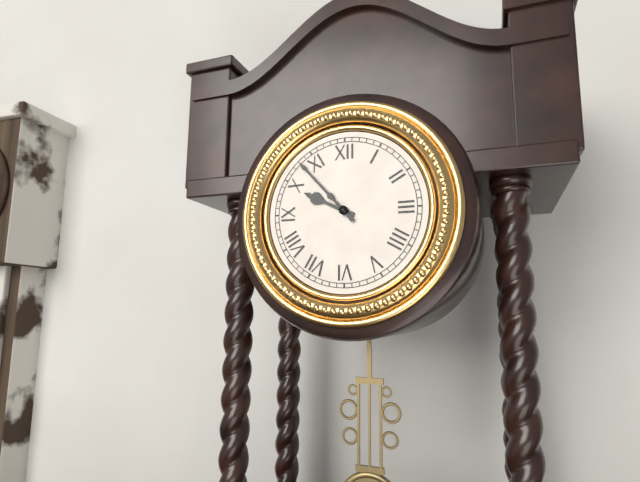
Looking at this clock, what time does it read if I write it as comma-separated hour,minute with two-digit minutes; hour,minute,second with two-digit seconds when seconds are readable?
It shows 9,53
